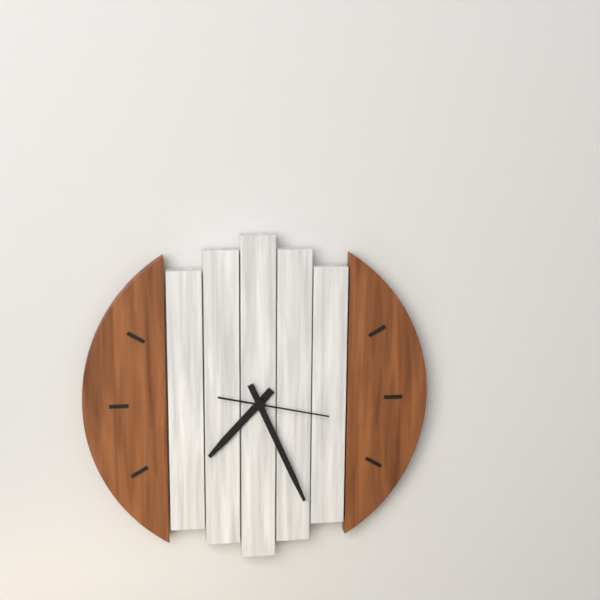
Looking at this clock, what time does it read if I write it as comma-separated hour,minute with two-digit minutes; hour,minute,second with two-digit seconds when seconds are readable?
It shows 7,26,17
